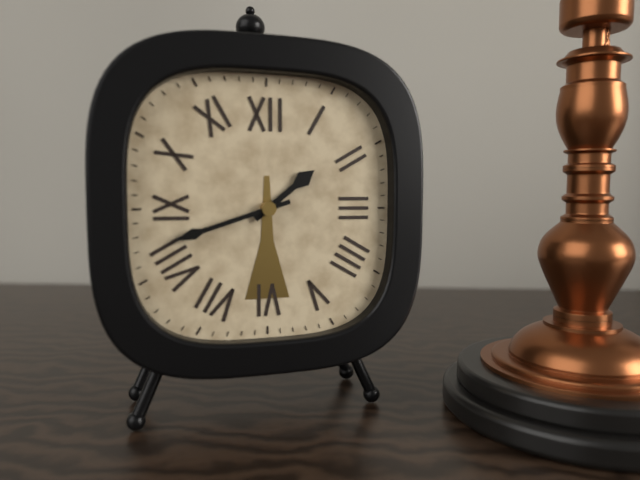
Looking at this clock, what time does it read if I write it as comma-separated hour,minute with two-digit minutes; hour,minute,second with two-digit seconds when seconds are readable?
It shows 1,42
